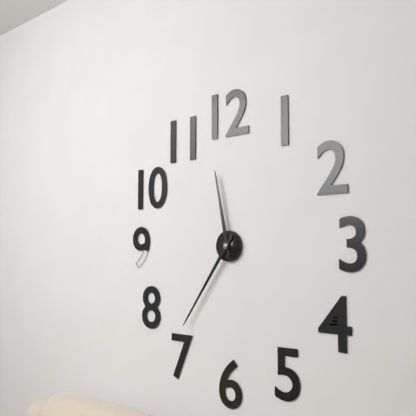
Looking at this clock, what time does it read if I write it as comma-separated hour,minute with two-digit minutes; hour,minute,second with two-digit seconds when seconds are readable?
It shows 11,36
